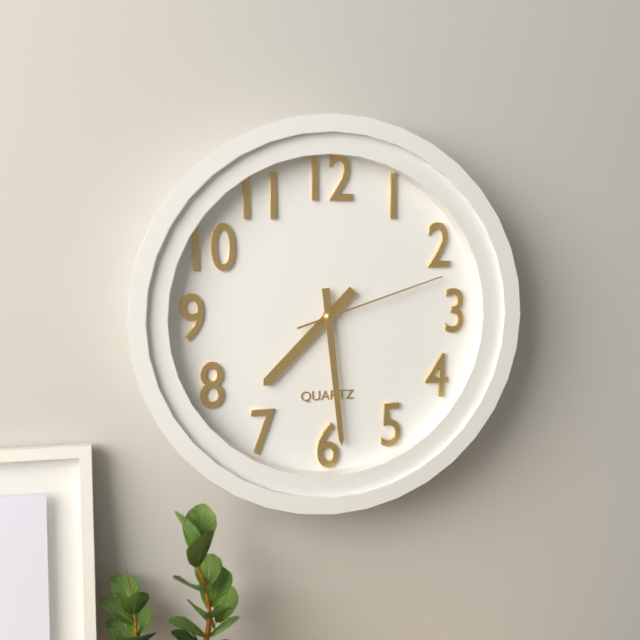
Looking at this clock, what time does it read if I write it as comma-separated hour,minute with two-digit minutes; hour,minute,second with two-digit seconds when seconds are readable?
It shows 7,29,12
